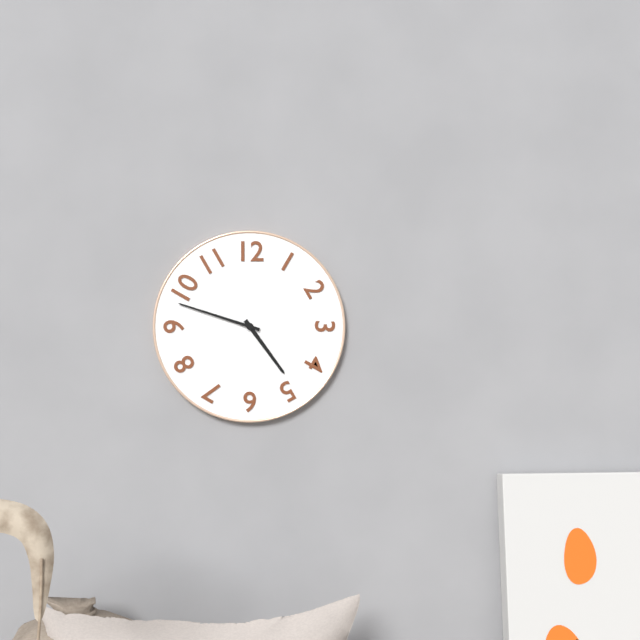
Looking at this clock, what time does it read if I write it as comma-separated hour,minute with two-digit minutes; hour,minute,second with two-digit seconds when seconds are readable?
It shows 4,48
